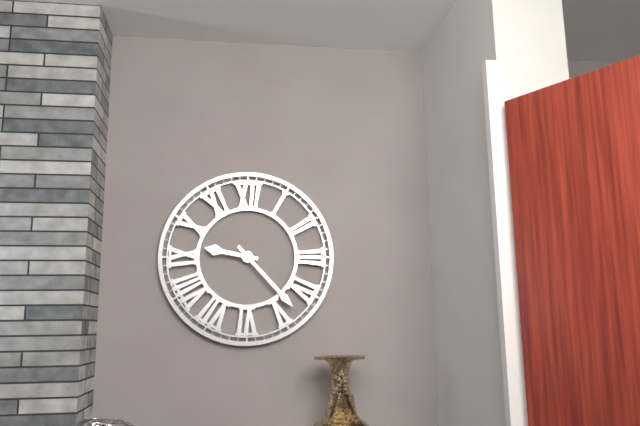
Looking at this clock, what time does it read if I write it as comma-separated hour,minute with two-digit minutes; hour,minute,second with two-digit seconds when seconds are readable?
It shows 9,23
